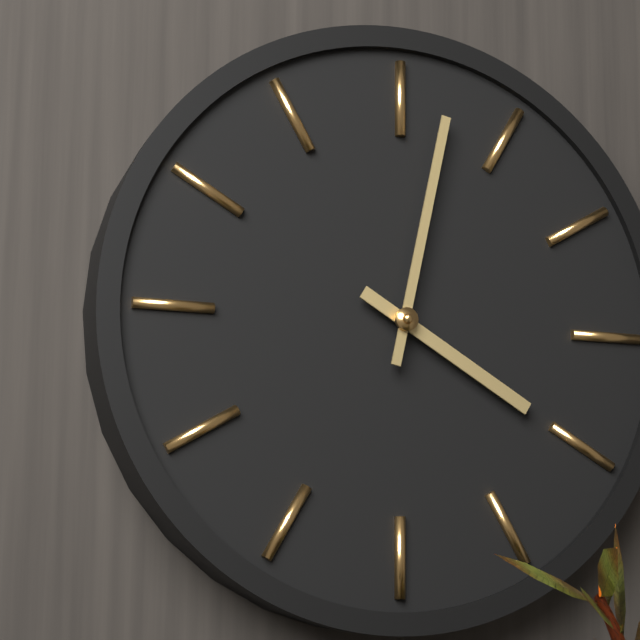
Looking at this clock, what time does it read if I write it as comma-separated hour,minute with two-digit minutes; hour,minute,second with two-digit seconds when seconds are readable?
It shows 4,02
